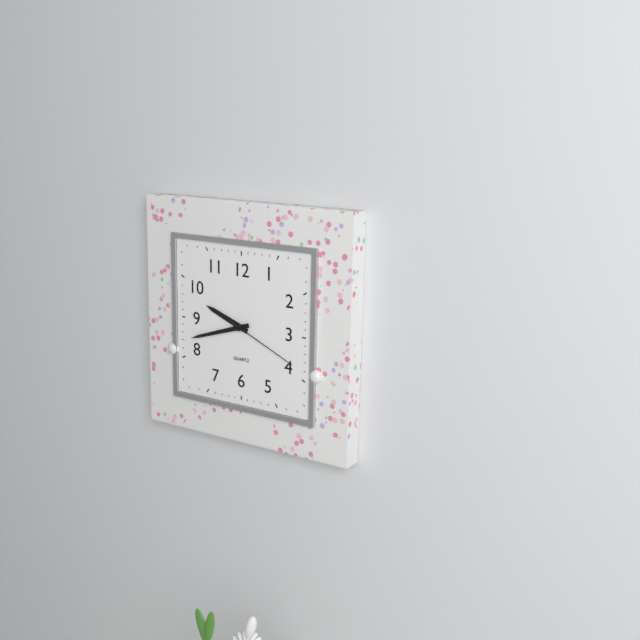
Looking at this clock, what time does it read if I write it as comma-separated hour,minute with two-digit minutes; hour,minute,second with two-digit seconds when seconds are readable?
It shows 9,42,19
